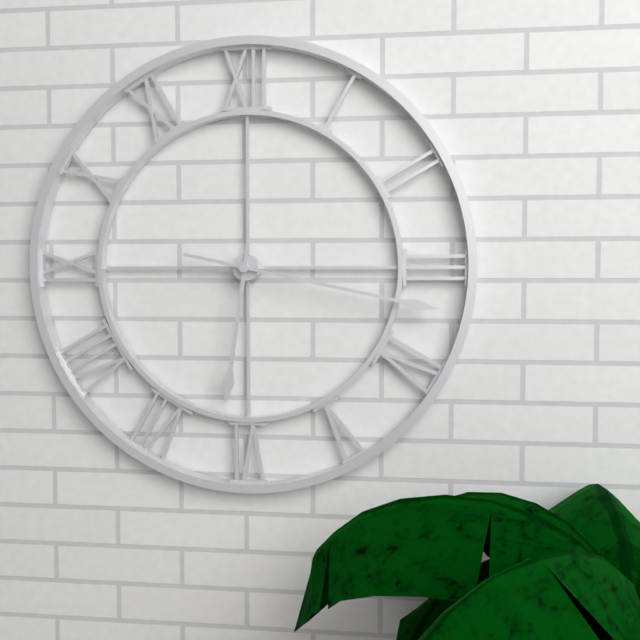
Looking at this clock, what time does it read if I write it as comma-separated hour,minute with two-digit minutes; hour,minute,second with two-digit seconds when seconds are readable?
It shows 6,17
